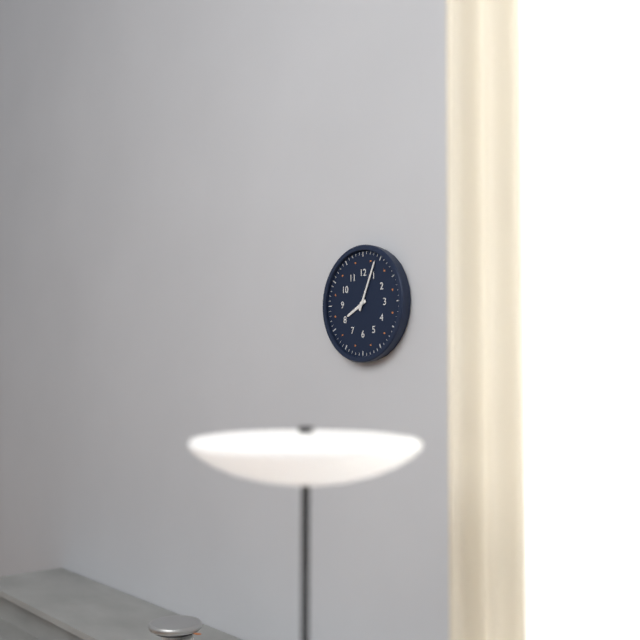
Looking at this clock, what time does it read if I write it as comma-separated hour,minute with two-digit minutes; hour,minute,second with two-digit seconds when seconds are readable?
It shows 8,04
